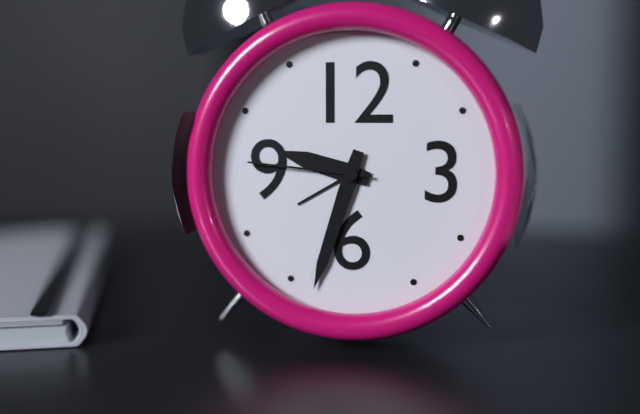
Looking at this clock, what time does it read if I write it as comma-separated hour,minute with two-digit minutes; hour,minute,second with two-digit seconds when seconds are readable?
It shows 9,33,46
